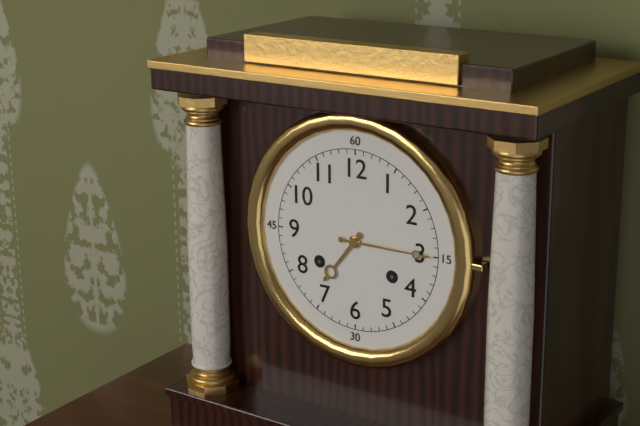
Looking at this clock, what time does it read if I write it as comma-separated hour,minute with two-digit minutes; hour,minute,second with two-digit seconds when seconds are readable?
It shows 7,15
